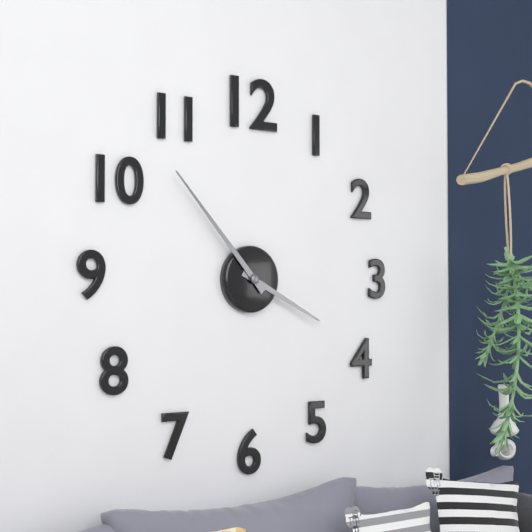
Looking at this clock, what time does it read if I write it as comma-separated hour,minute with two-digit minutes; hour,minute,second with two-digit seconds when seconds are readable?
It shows 3,53
